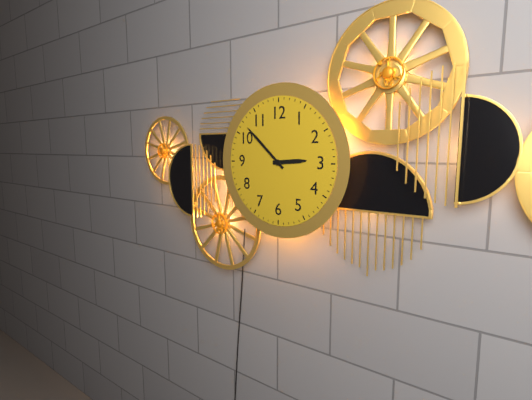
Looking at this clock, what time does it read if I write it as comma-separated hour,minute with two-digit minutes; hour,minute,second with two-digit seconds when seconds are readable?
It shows 2,52
